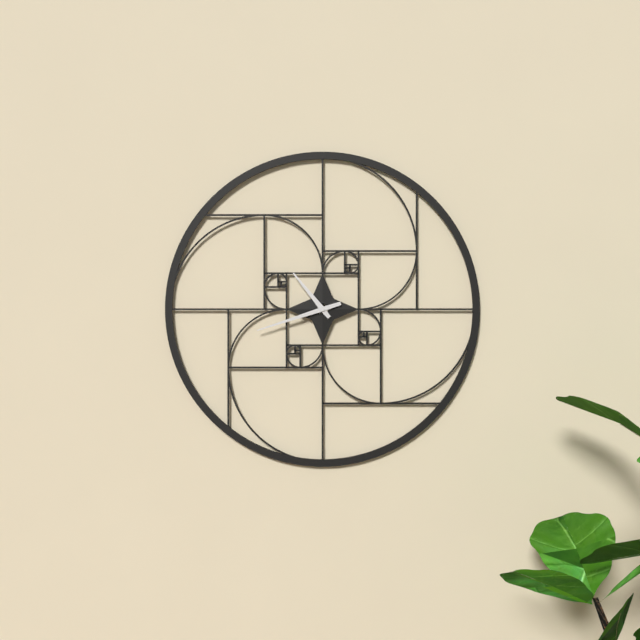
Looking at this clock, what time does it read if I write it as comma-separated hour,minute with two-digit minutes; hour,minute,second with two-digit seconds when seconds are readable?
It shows 10,42
